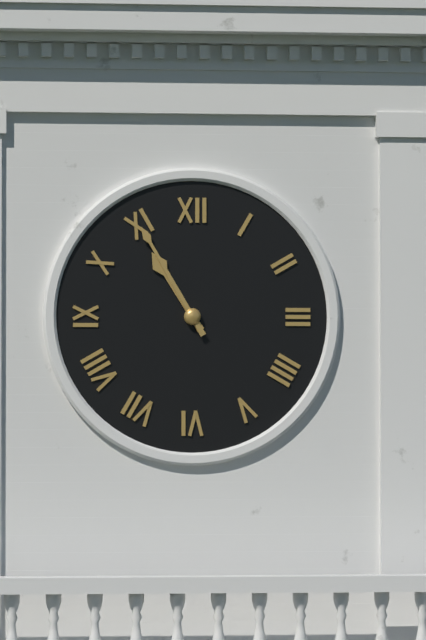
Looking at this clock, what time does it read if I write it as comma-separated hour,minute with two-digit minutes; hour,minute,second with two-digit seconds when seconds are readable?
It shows 10,55
